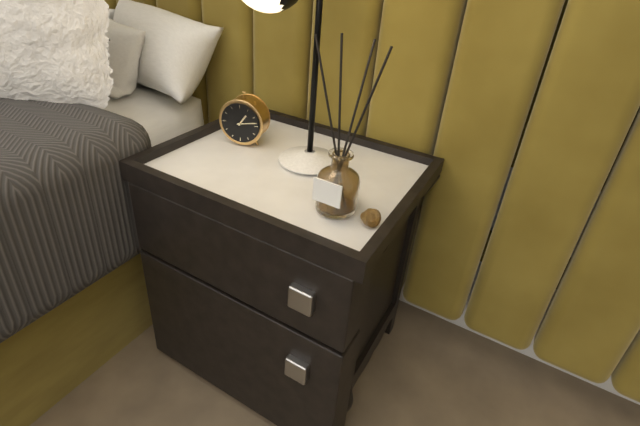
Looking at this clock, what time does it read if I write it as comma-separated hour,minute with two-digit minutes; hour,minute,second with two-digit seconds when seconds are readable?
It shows 1,13
